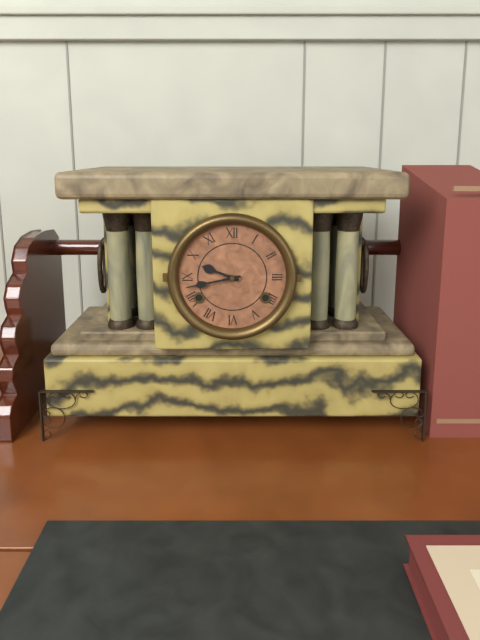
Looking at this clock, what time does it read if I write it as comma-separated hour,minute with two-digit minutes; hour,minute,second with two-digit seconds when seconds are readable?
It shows 9,43
